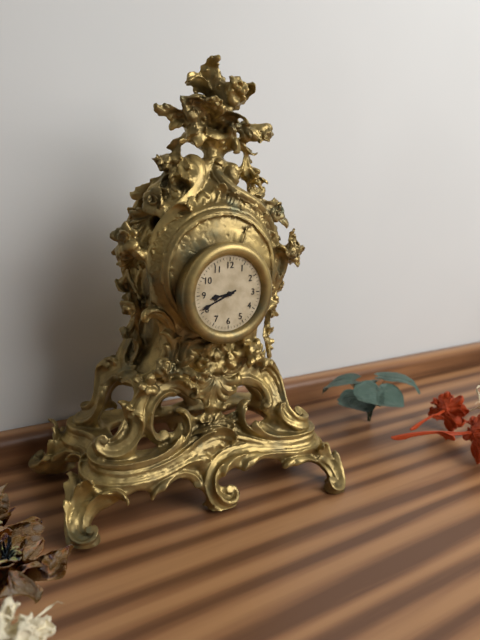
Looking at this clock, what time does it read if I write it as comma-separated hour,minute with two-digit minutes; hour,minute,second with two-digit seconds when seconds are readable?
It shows 8,41
